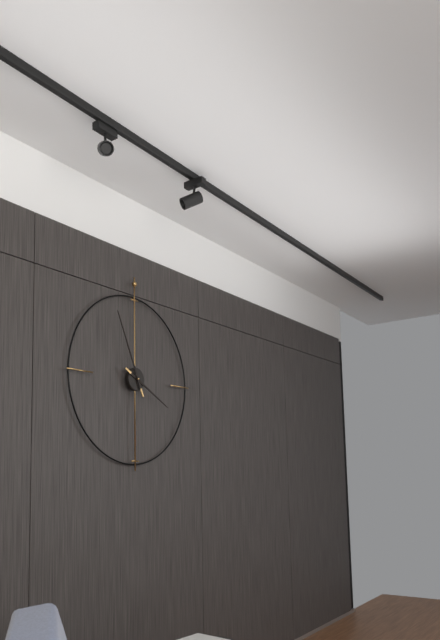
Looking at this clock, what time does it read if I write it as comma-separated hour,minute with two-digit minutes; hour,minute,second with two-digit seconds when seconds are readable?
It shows 3,56
